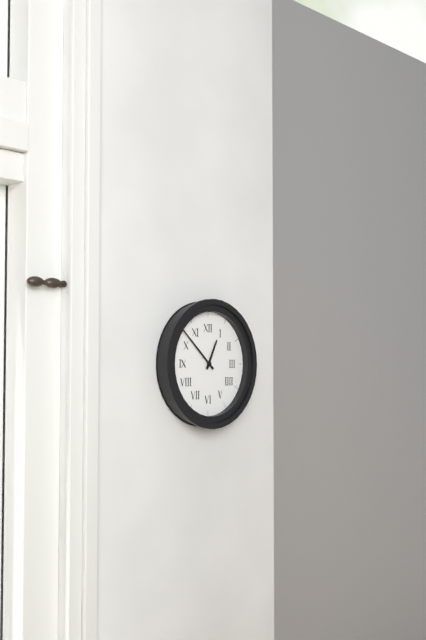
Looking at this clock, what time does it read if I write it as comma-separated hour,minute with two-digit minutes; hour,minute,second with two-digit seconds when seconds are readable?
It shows 12,52
